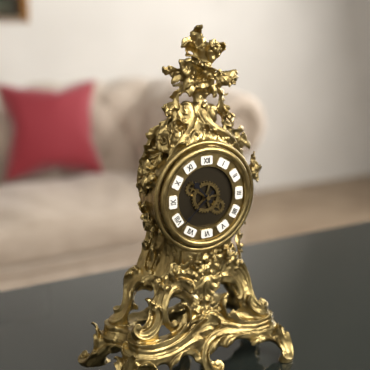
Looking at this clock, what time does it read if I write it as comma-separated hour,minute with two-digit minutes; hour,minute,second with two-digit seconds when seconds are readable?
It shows 10,38
